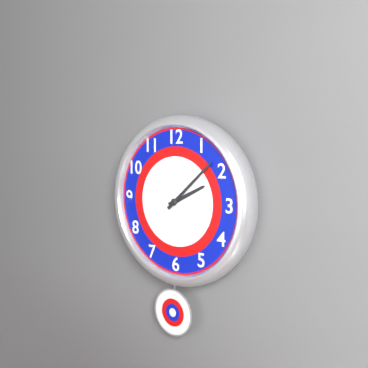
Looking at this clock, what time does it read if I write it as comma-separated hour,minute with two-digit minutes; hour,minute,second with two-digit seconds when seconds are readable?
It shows 2,08
